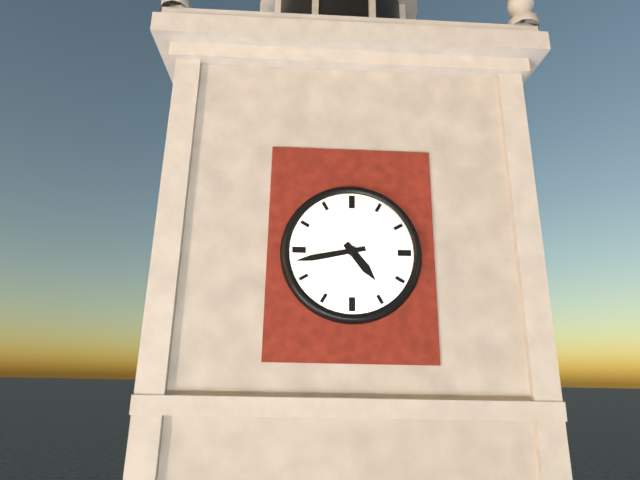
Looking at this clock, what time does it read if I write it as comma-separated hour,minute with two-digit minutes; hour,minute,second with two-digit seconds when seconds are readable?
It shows 4,43
